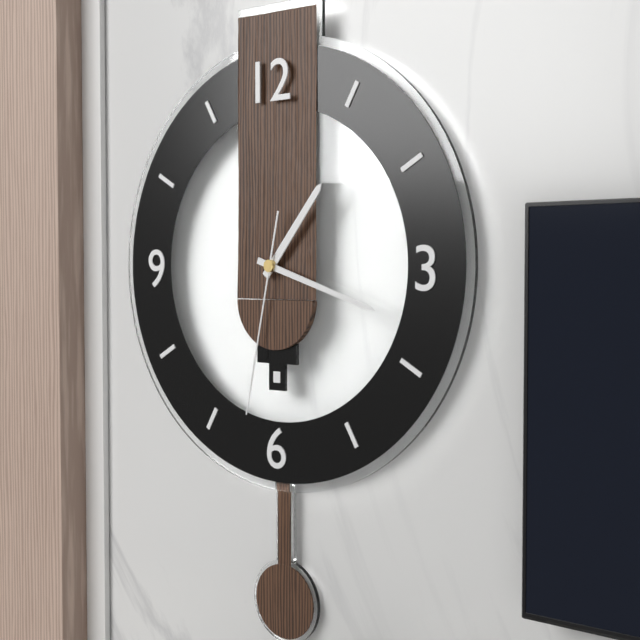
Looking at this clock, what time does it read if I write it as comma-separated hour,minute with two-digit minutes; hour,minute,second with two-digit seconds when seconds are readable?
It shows 1,18,32
